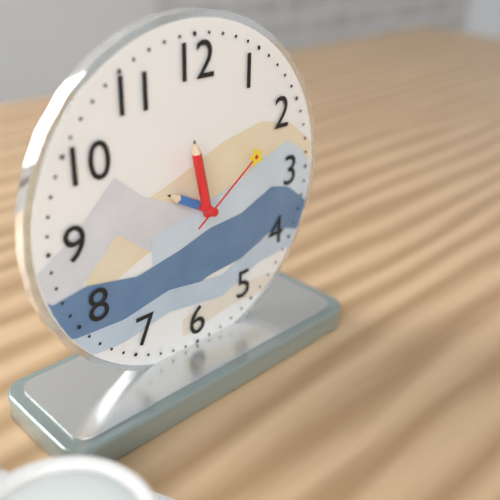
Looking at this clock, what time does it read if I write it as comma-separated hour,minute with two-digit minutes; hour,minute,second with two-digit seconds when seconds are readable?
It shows 9,58,09
